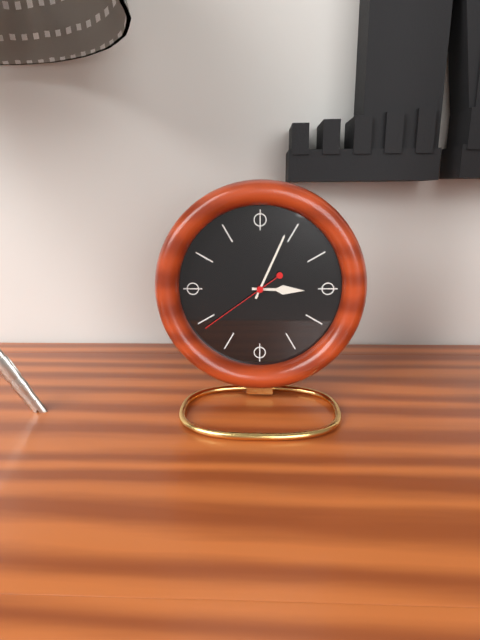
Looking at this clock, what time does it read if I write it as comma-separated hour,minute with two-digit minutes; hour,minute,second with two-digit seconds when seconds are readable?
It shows 3,04,39
